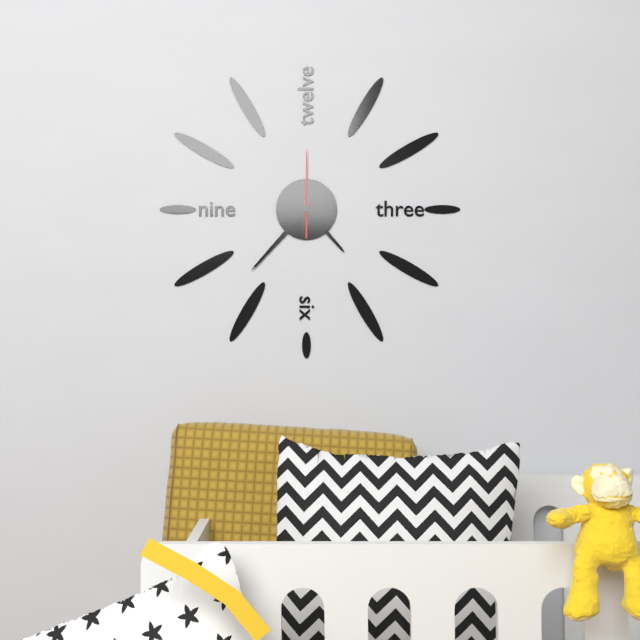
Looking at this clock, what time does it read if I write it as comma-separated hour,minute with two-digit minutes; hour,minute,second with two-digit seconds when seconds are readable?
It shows 4,37,00
